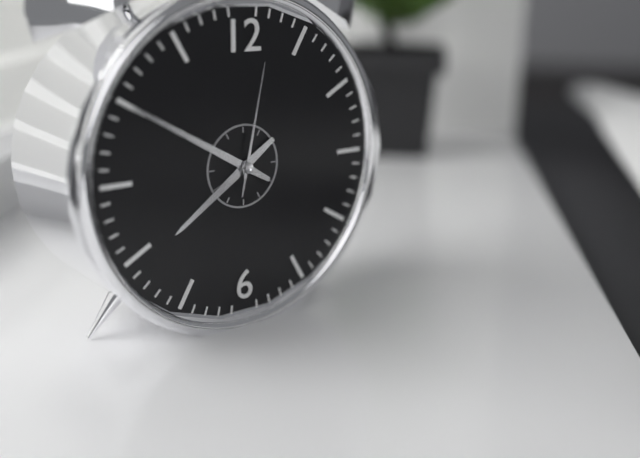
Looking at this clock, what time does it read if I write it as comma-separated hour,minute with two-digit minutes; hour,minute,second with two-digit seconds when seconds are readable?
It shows 7,50,02
